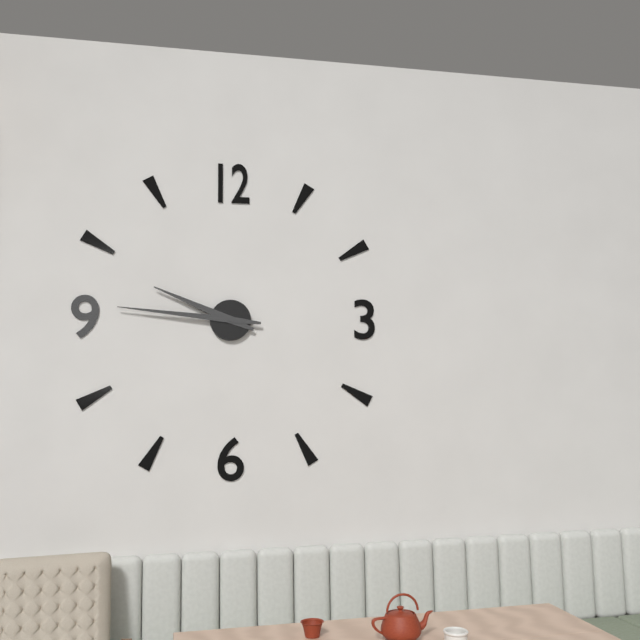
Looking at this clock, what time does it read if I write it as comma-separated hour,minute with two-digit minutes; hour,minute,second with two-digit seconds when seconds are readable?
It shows 9,46
